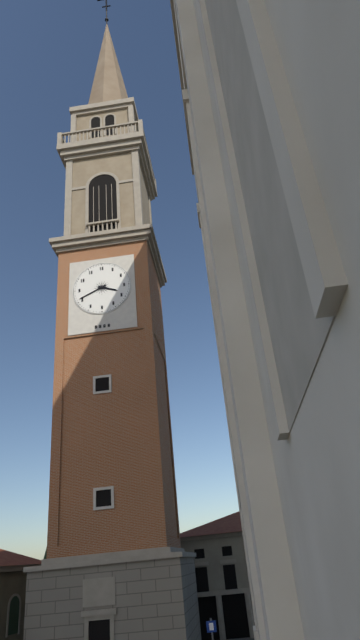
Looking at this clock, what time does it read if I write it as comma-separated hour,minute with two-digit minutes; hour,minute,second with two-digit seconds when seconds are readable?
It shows 3,41
